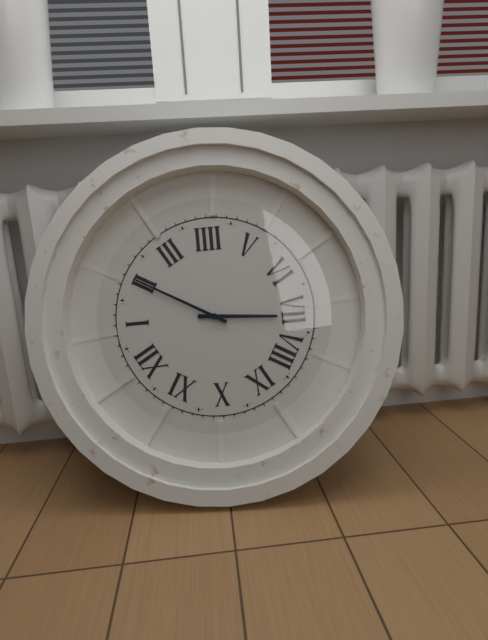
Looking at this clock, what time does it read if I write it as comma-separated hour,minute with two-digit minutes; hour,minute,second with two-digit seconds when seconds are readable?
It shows 7,10
